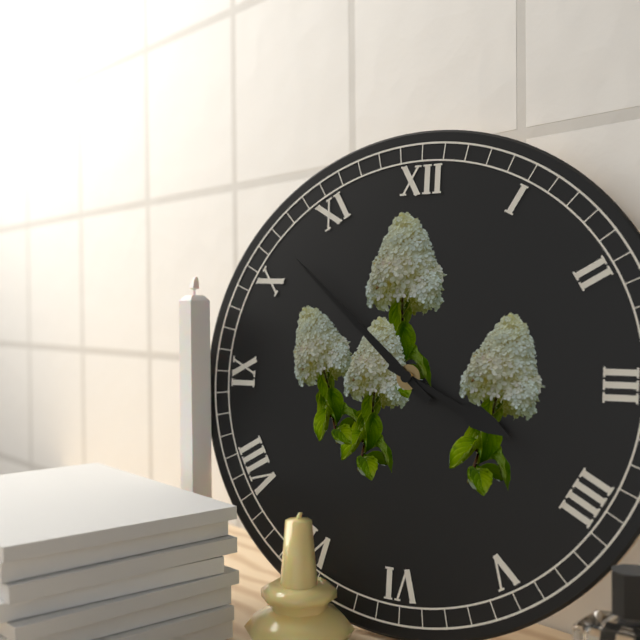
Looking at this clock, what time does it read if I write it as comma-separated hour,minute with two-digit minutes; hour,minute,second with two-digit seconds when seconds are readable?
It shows 3,52
